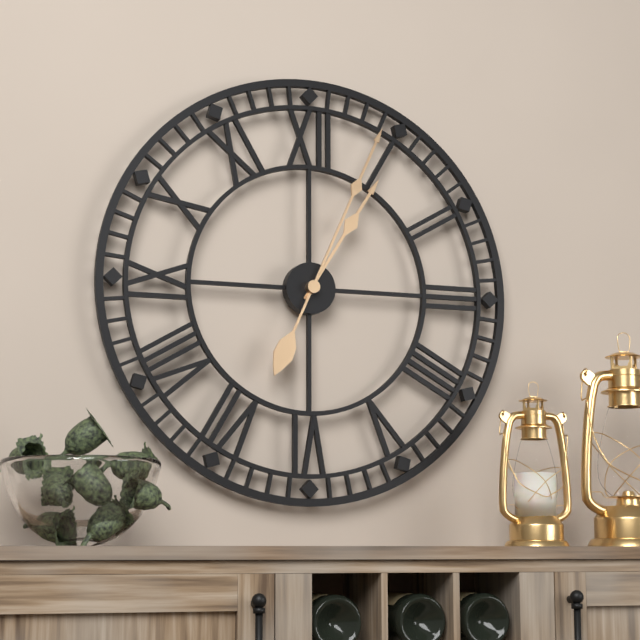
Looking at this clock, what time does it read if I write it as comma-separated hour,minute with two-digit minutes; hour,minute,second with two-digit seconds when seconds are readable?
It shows 1,04
